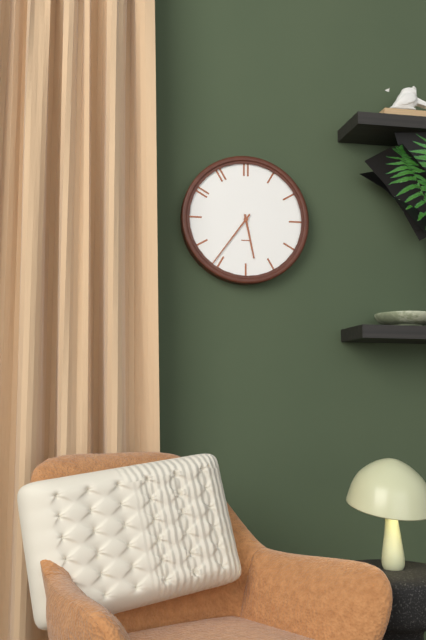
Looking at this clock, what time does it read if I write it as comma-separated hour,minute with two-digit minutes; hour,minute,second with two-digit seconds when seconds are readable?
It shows 5,36
